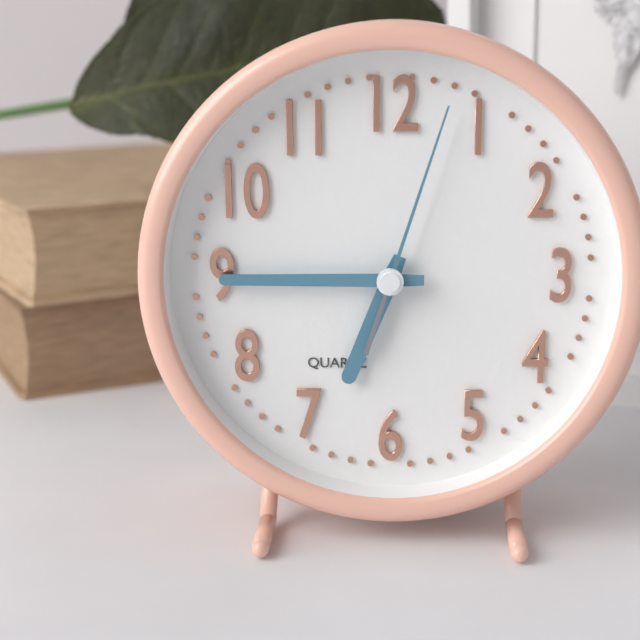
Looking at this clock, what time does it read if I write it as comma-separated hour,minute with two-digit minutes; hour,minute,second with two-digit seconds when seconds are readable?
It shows 6,45,03
